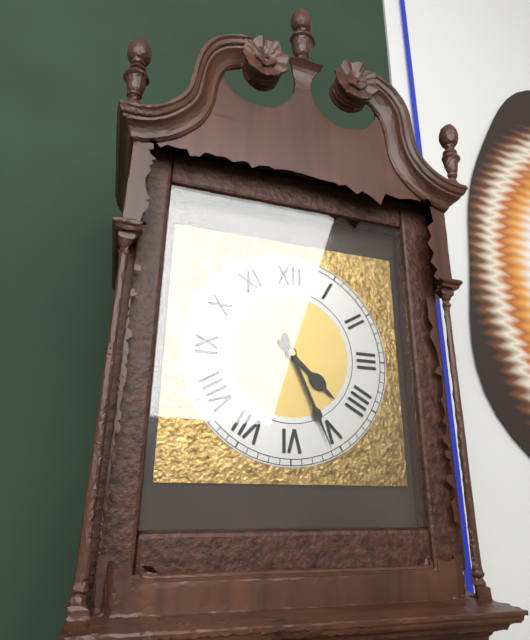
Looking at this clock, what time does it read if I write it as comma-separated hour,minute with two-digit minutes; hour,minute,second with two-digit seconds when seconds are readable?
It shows 4,26
